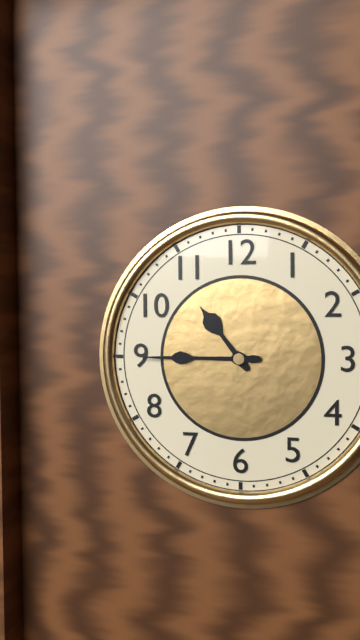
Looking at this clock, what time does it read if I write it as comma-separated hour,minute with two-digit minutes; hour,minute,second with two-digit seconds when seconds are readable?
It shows 10,45
